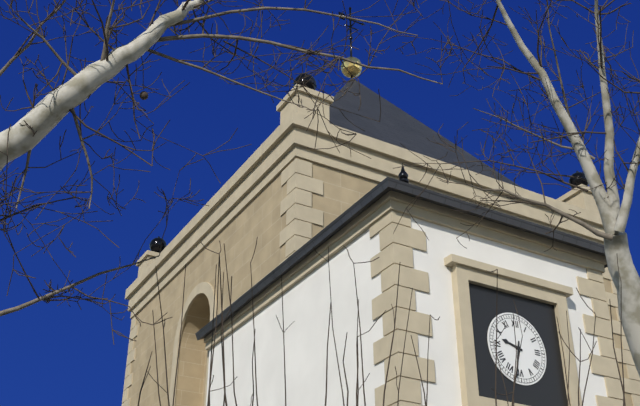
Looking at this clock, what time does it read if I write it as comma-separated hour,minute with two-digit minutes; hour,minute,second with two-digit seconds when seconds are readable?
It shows 9,32
